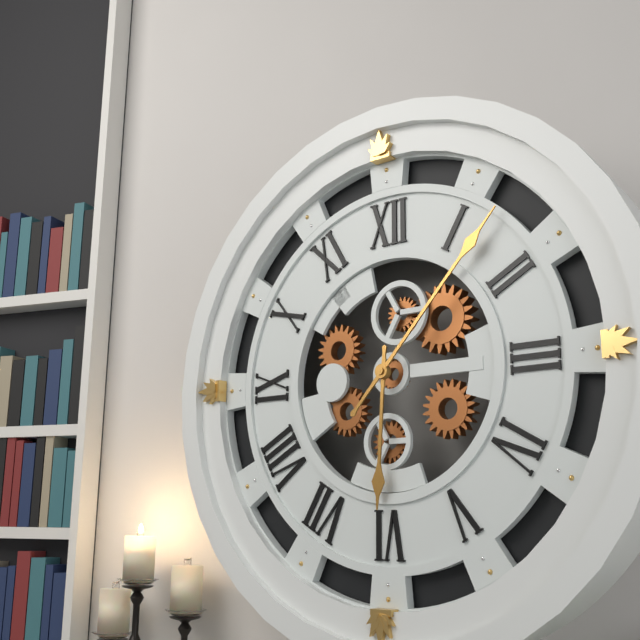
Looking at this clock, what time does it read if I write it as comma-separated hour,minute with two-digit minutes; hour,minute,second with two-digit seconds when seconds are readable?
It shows 6,07
